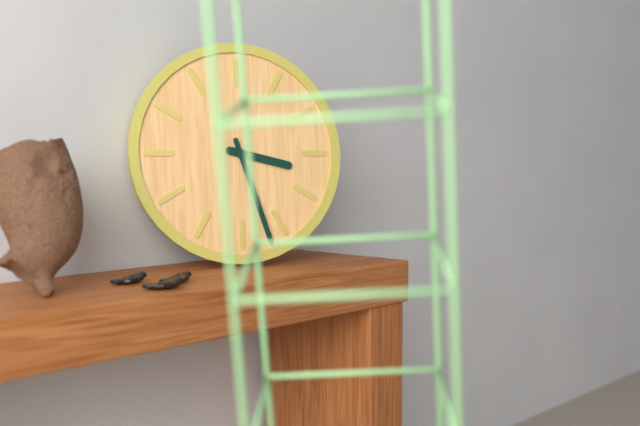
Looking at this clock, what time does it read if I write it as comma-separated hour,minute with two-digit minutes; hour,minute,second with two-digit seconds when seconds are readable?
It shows 3,27
